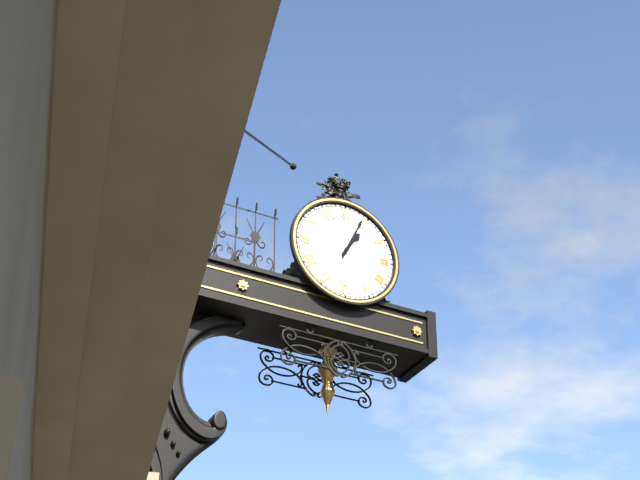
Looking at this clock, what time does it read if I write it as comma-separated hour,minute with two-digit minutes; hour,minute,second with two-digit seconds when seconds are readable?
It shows 1,04
